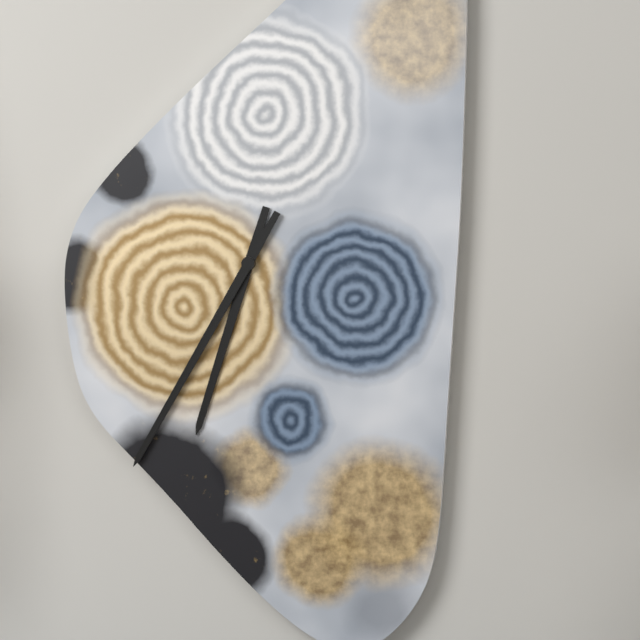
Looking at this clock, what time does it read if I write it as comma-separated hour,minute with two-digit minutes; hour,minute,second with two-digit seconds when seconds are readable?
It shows 6,35
